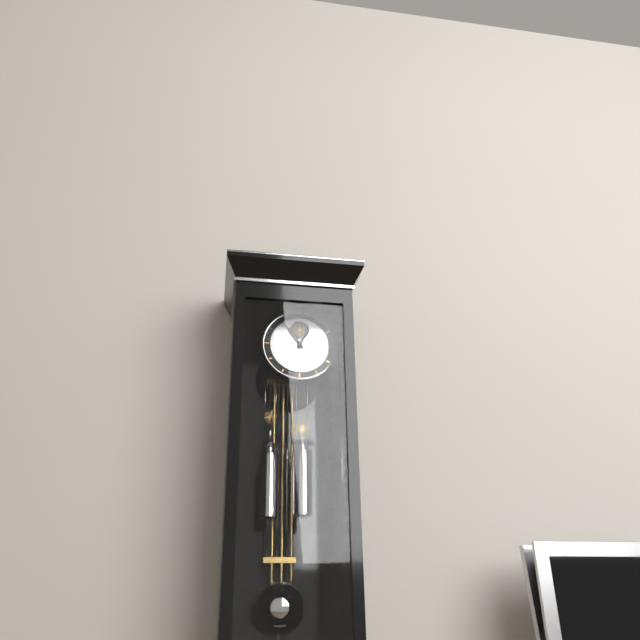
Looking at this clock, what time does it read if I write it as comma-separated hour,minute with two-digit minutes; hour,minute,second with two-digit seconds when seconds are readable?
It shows 12,54
